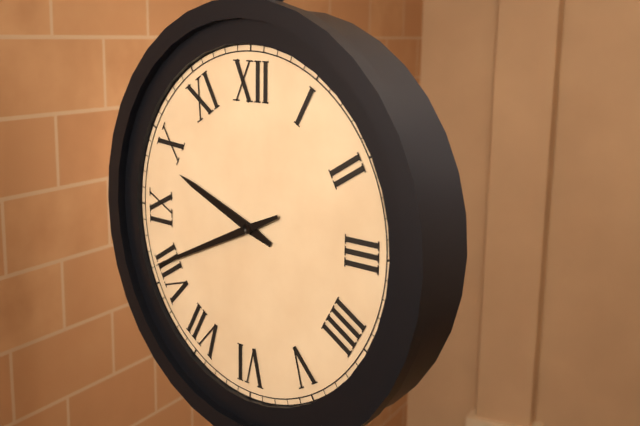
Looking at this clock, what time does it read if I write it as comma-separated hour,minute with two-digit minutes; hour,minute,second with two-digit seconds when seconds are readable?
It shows 9,41
